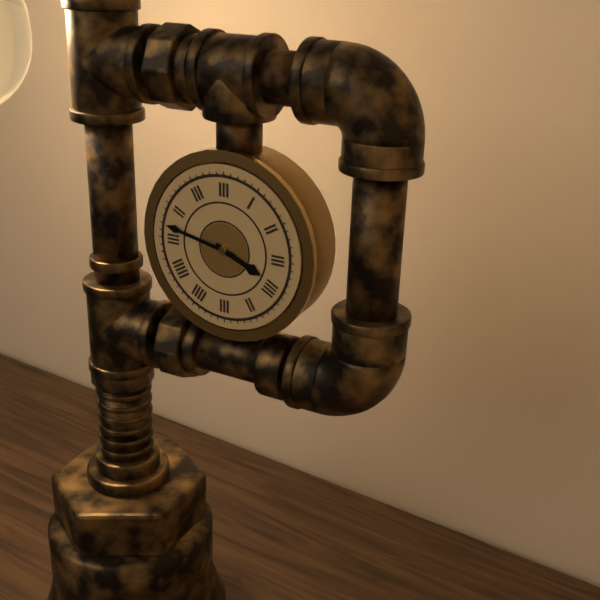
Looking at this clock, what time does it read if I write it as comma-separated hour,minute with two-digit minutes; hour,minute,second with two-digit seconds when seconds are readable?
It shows 3,47
